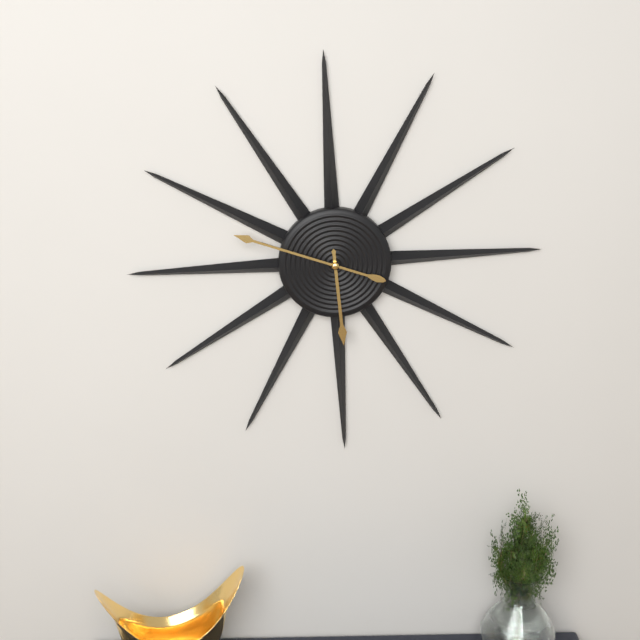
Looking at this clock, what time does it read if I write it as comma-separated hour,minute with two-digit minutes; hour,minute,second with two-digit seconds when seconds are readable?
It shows 5,48
